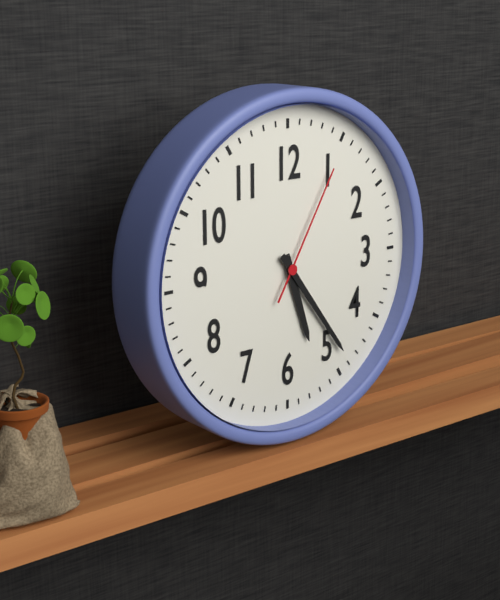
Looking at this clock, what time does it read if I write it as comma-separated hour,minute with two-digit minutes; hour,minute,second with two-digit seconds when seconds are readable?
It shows 5,24,05
